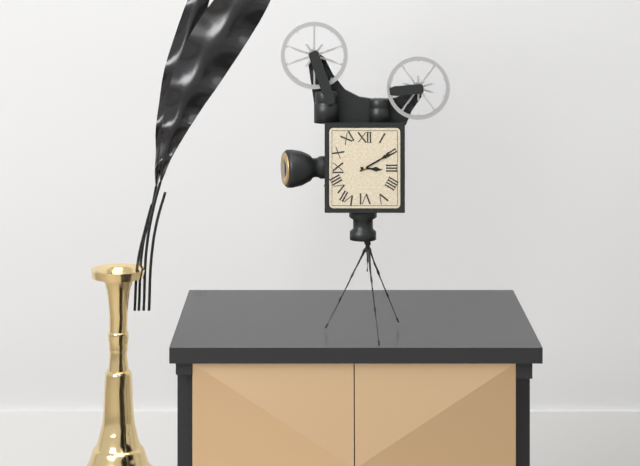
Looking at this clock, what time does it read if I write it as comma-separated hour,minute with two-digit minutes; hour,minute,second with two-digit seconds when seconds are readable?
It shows 3,10
